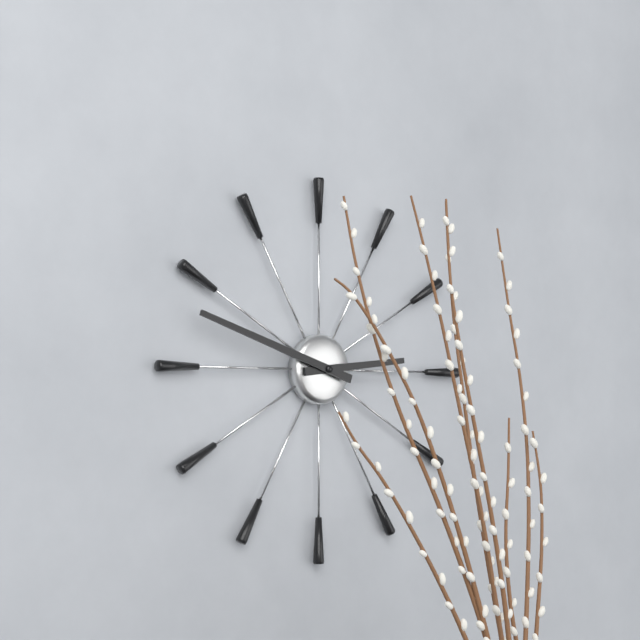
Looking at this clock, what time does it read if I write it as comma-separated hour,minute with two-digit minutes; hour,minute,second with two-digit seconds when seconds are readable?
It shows 2,48
